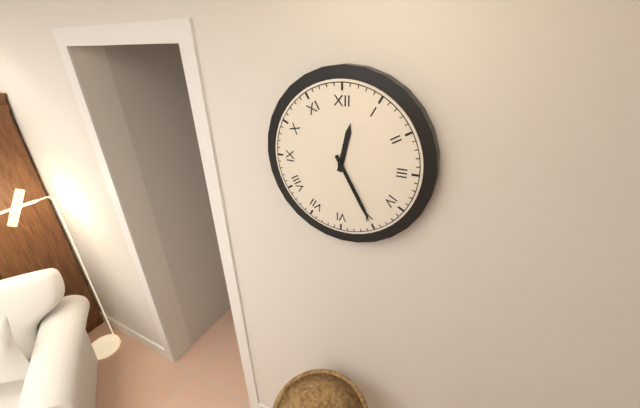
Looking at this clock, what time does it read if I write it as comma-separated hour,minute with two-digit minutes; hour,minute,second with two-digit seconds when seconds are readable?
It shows 12,25
